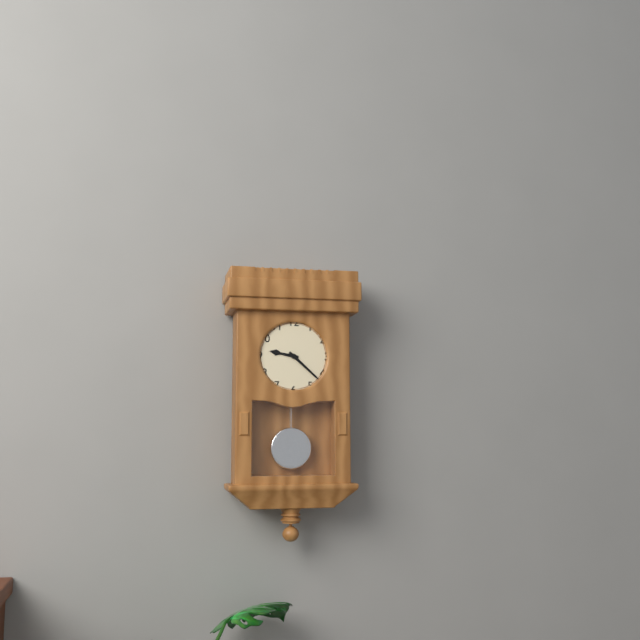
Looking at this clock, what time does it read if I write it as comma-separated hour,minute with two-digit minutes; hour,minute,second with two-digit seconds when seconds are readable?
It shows 9,22
